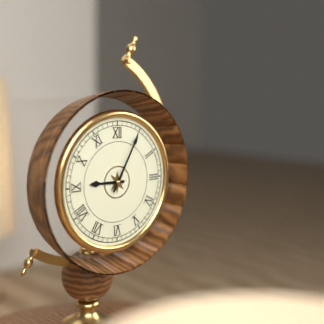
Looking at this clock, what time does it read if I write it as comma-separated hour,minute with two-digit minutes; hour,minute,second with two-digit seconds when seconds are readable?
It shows 9,05
